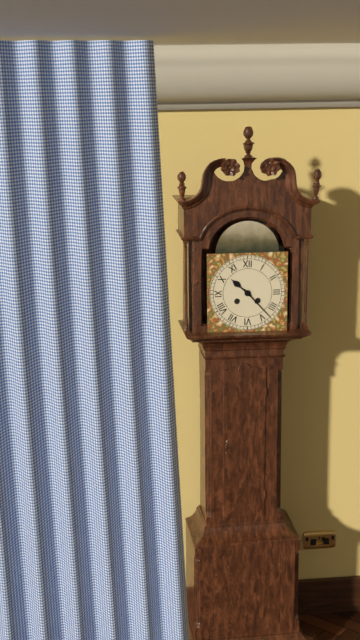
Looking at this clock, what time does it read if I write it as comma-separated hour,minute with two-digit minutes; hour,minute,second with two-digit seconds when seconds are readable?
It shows 10,23
